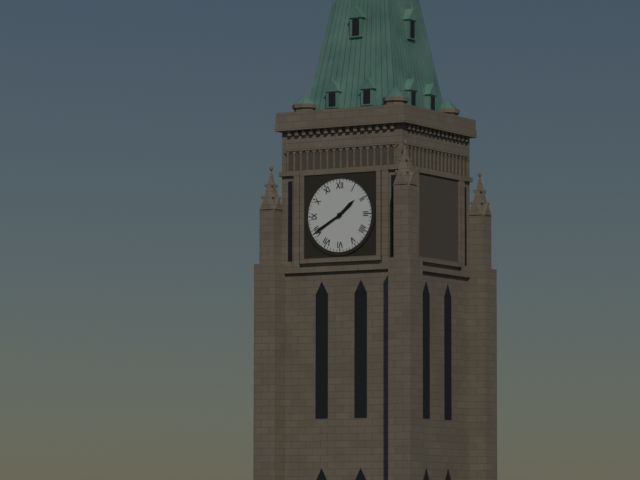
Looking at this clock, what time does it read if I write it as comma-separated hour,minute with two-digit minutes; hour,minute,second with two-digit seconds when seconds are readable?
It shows 1,40
